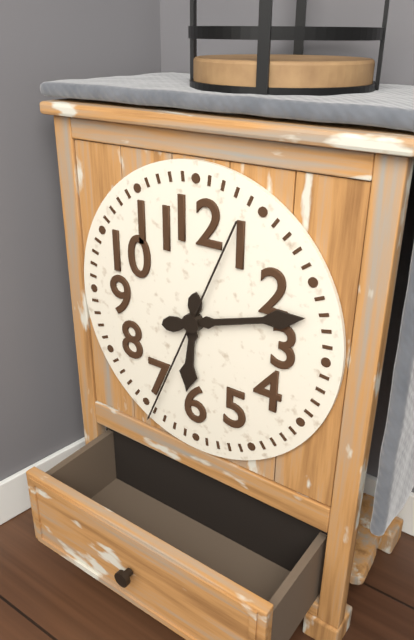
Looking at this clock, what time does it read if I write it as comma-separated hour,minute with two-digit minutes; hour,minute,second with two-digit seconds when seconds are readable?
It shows 6,12,34
